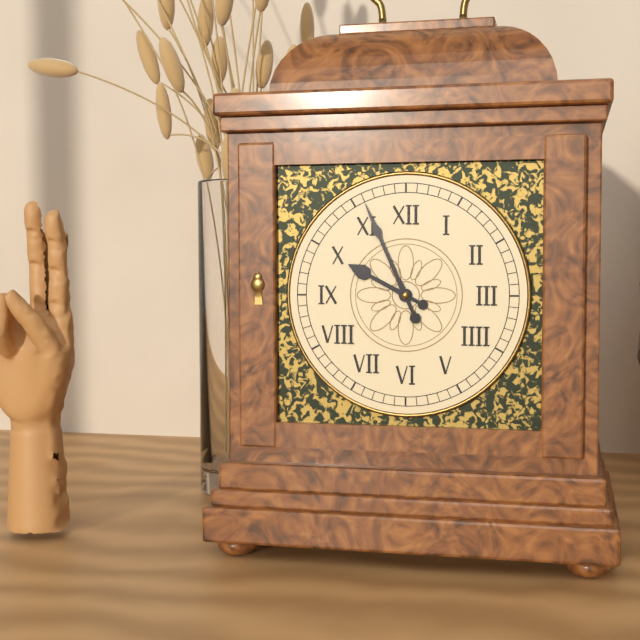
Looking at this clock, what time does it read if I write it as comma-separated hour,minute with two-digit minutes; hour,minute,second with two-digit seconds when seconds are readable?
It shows 9,56
